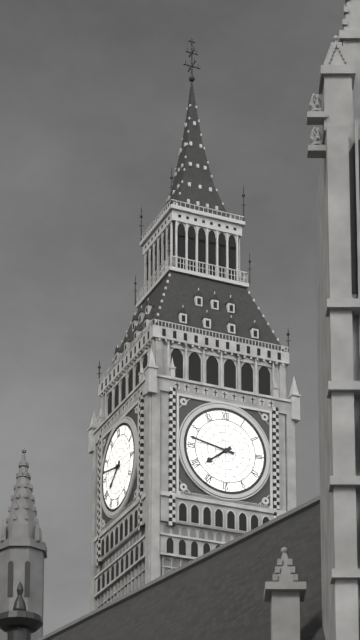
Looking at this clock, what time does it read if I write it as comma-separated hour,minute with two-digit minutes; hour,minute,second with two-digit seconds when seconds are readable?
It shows 7,47
